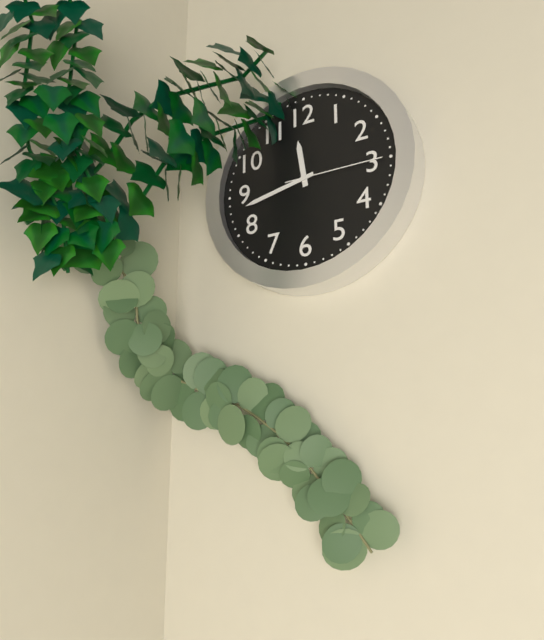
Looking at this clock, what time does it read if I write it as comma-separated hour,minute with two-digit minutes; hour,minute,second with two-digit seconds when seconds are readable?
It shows 11,43,15
